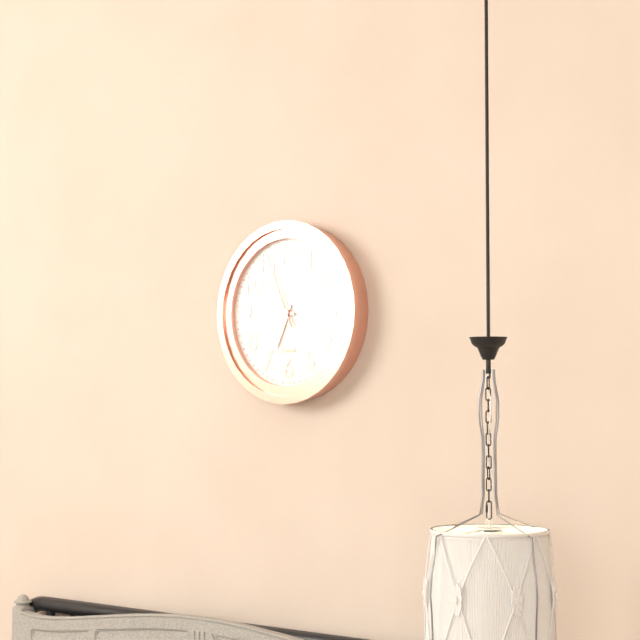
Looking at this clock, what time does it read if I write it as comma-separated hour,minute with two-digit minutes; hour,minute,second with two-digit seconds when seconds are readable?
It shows 6,47,56
